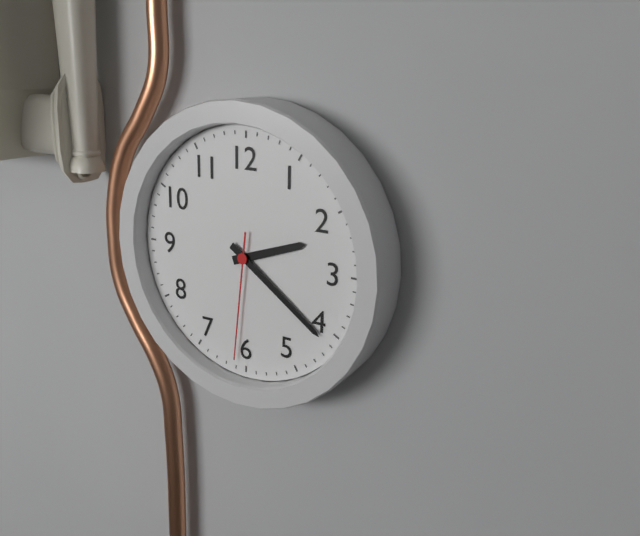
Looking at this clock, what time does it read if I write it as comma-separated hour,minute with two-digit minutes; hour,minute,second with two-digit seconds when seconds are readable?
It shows 2,21,31
